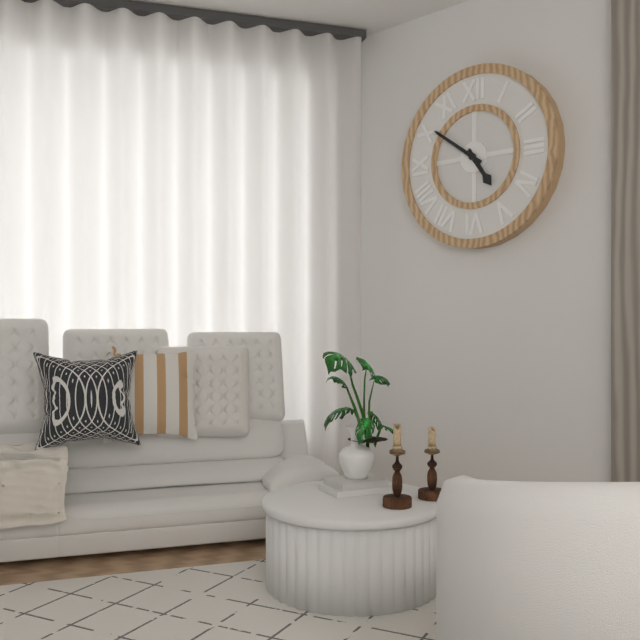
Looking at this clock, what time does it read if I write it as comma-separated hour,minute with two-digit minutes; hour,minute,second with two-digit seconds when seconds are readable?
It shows 4,51
